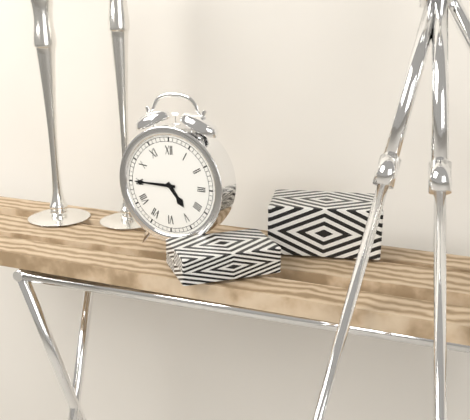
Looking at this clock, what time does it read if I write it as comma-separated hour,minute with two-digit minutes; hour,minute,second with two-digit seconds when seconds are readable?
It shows 4,45
